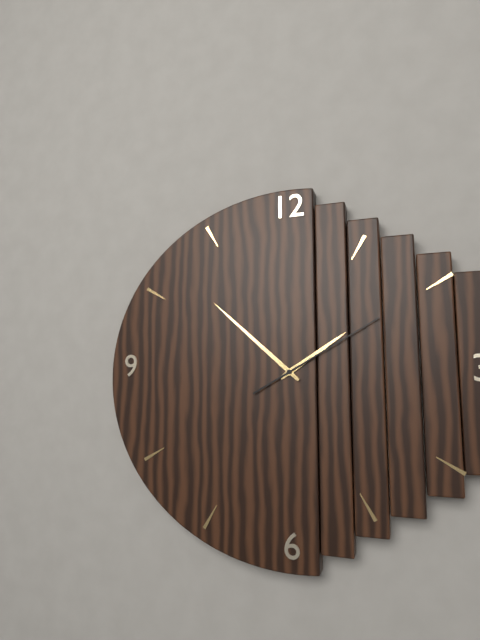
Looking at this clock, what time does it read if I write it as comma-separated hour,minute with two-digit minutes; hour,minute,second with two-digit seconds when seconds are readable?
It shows 1,52,10
